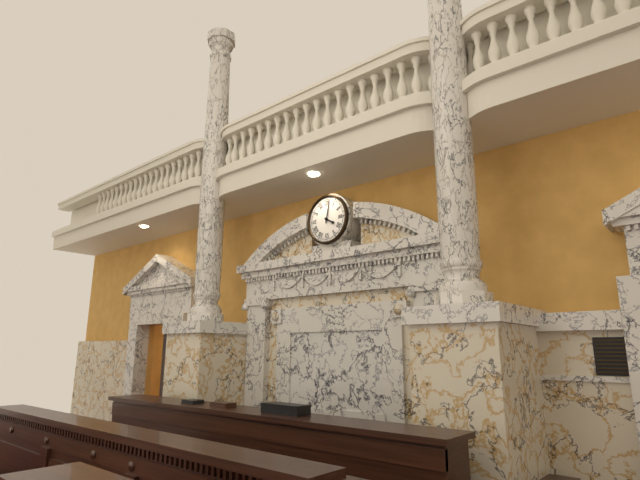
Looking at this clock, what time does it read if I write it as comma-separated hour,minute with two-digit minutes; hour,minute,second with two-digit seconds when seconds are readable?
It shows 4,02
